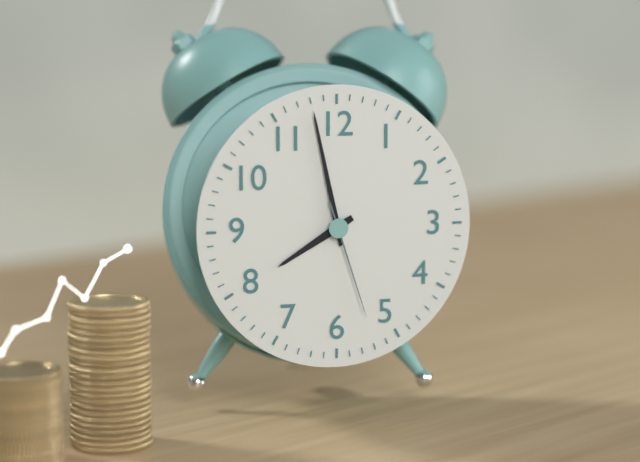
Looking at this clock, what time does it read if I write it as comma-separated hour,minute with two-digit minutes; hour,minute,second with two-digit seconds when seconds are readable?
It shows 7,58,27
